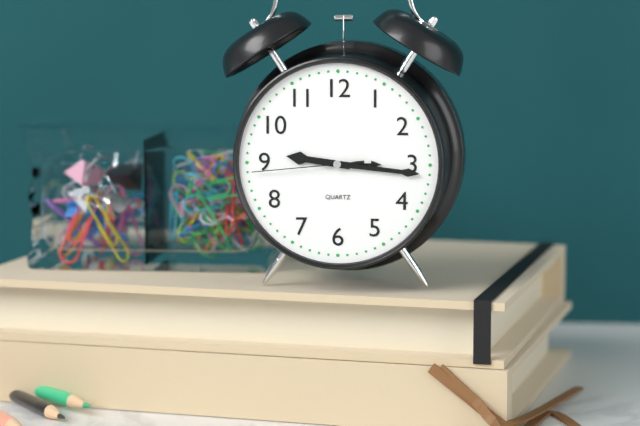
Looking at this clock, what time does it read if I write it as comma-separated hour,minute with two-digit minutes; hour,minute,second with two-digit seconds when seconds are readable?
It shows 9,16,44
